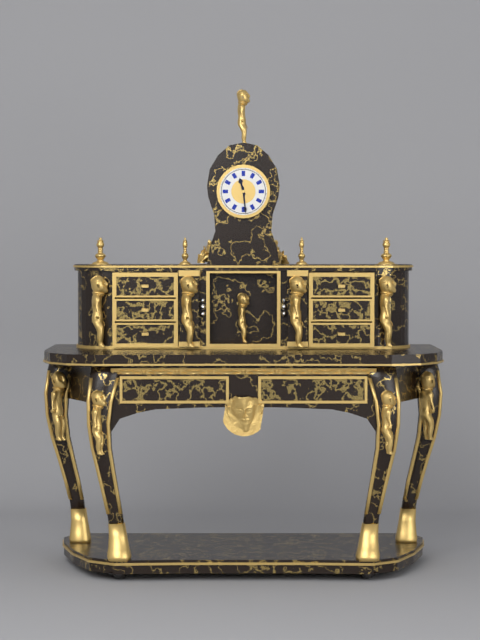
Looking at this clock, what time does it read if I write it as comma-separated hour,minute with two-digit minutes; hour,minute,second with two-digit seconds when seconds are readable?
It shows 11,29
